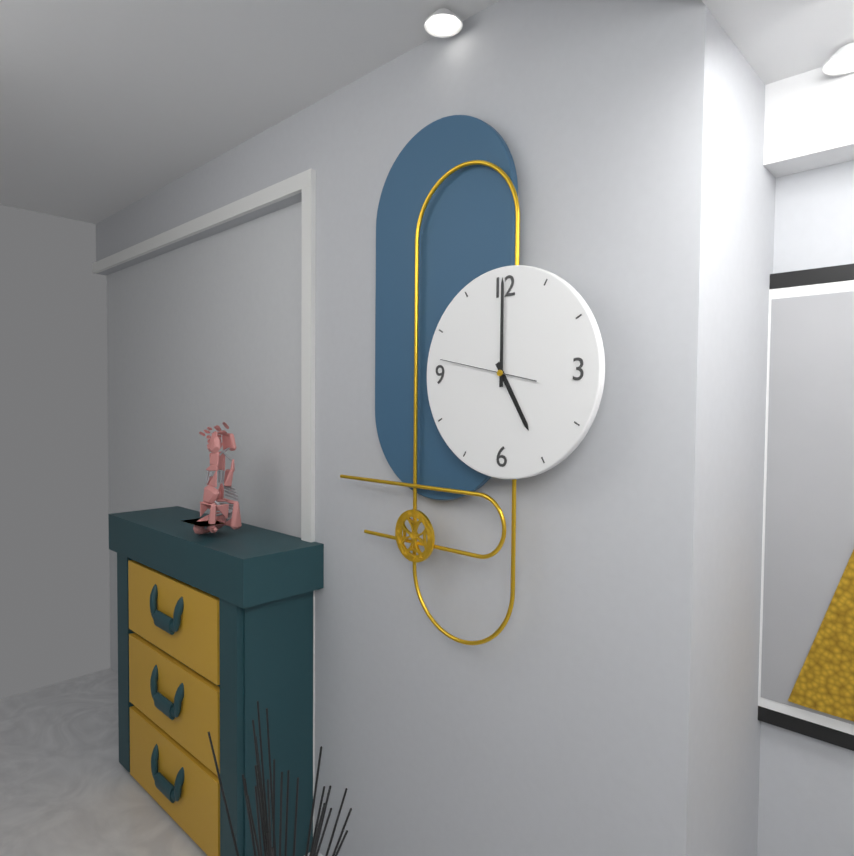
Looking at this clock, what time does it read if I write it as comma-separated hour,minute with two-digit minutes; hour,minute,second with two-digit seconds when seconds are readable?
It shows 5,00,47
